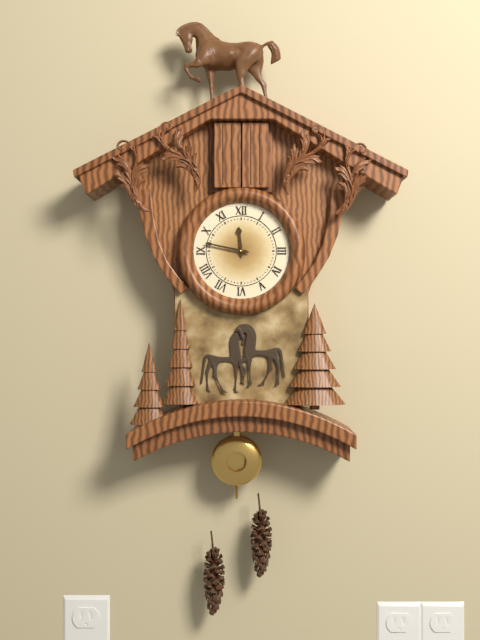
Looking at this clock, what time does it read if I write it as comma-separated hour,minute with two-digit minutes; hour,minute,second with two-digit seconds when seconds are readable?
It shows 11,47
